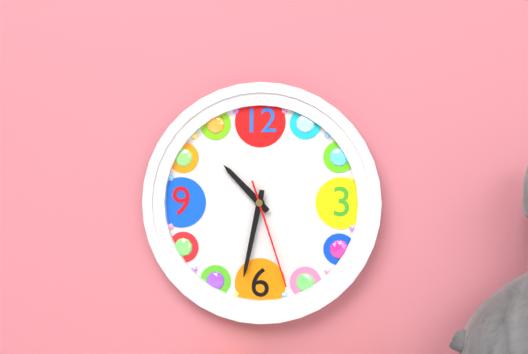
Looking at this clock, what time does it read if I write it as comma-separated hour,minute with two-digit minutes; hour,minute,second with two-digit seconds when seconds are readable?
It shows 10,32,27
